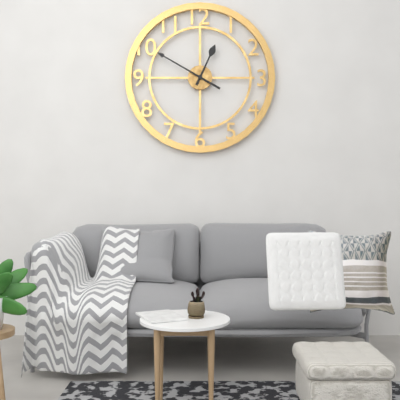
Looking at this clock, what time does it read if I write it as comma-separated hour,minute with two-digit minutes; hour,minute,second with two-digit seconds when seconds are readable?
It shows 12,50
